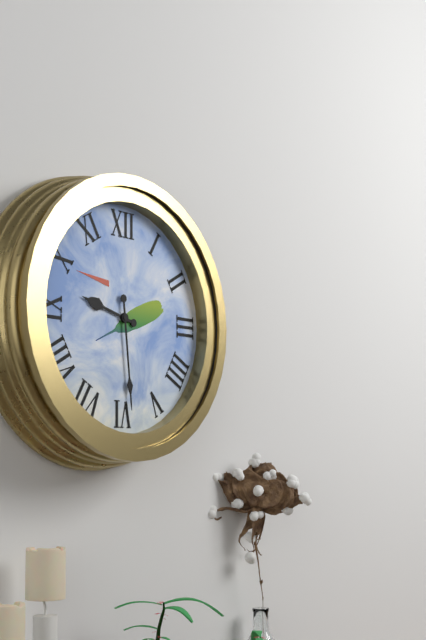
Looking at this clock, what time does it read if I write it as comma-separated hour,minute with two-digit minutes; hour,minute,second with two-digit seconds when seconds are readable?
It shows 9,29
